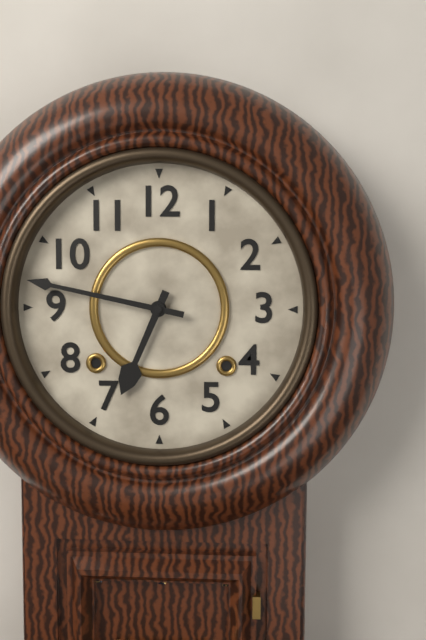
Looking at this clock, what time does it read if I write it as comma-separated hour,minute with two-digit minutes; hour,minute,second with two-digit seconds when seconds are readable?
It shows 6,47
